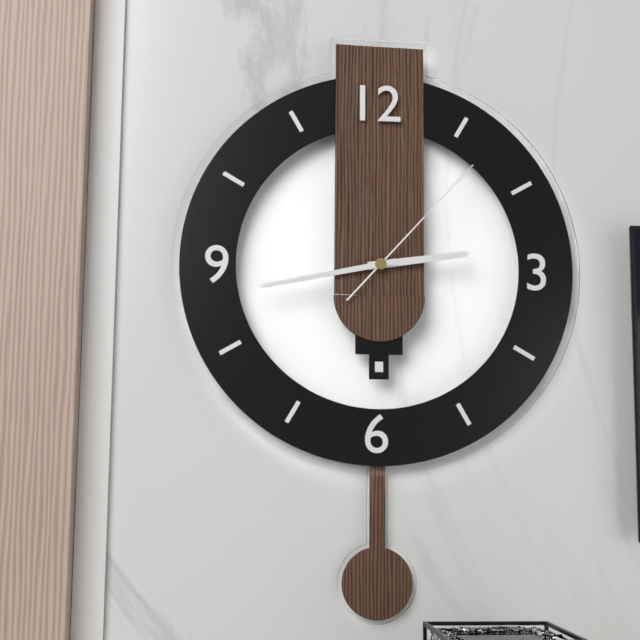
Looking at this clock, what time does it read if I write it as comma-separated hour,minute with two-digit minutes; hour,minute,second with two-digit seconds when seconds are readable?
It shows 2,43,07
